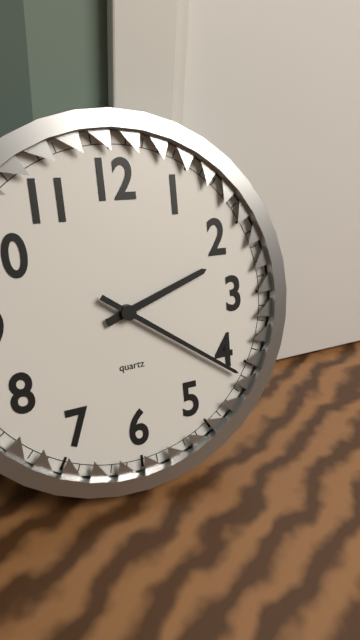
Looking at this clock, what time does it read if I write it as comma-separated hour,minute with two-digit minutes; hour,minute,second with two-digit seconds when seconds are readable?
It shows 2,21
